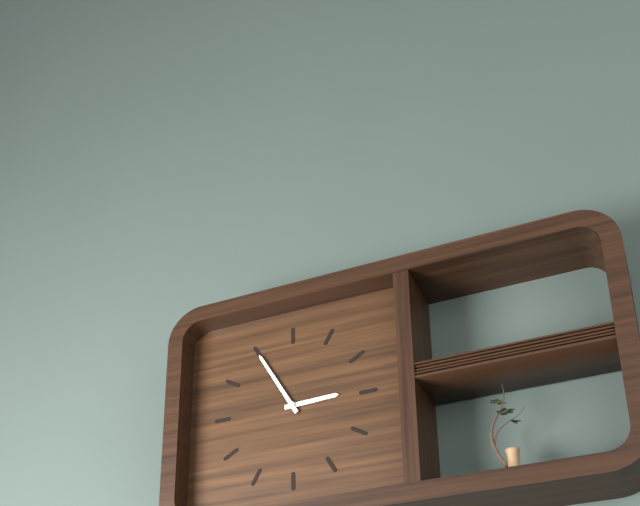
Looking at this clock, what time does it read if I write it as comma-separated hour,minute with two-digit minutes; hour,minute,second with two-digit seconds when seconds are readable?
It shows 2,55
